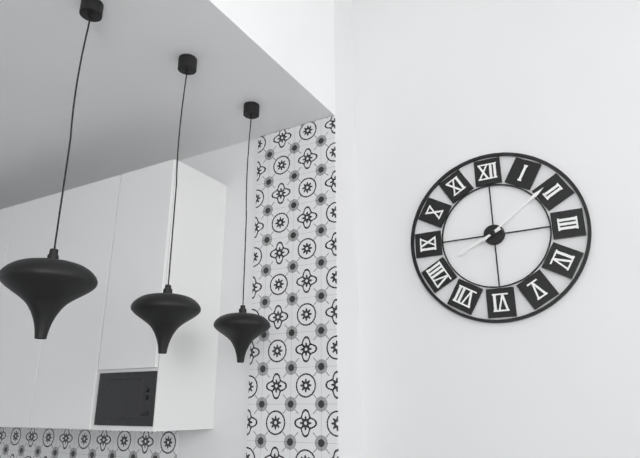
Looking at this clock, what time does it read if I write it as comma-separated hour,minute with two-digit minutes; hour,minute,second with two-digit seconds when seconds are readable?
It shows 8,09
